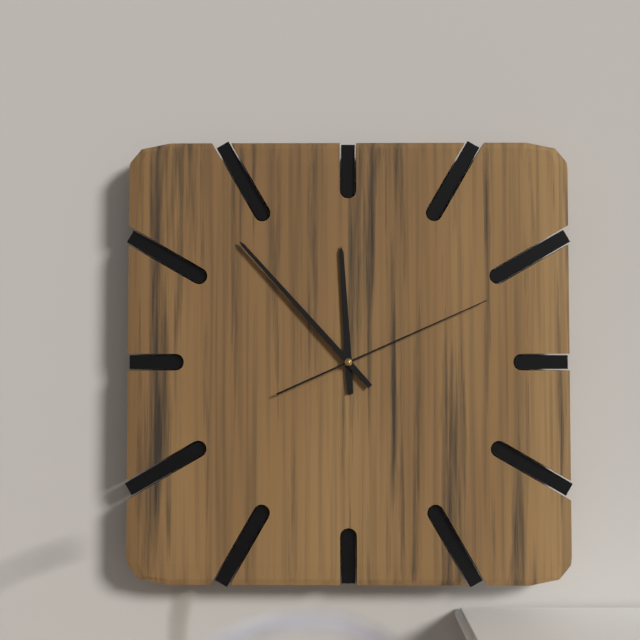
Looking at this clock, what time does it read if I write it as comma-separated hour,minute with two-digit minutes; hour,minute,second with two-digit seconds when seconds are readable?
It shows 11,53,11
